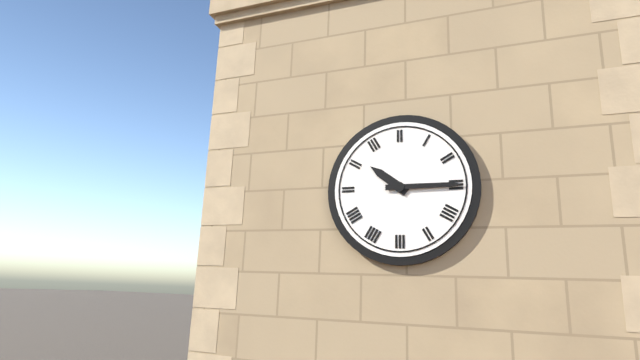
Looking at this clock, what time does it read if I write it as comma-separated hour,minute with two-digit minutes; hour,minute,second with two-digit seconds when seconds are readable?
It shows 10,15
